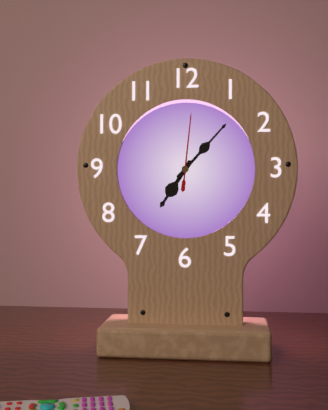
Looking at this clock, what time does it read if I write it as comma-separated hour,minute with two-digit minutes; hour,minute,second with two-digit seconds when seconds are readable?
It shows 7,07,01
